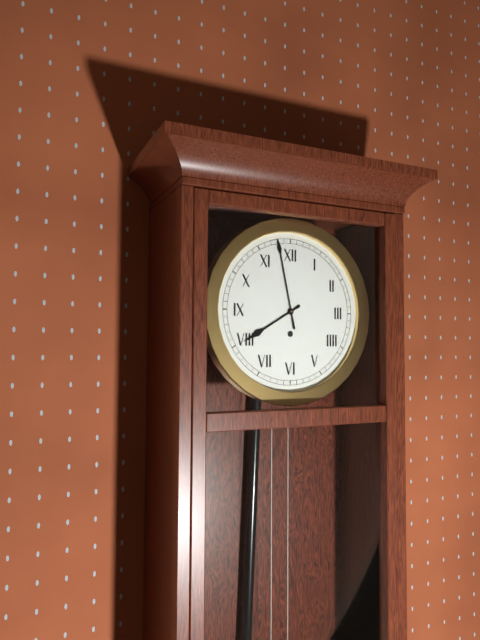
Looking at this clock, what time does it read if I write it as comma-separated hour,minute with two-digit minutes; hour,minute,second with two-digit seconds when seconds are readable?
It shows 7,58
